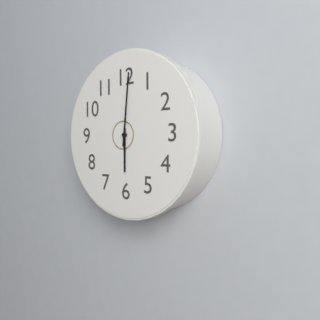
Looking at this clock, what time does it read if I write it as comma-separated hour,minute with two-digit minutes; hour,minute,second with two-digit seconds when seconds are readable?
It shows 6,01
